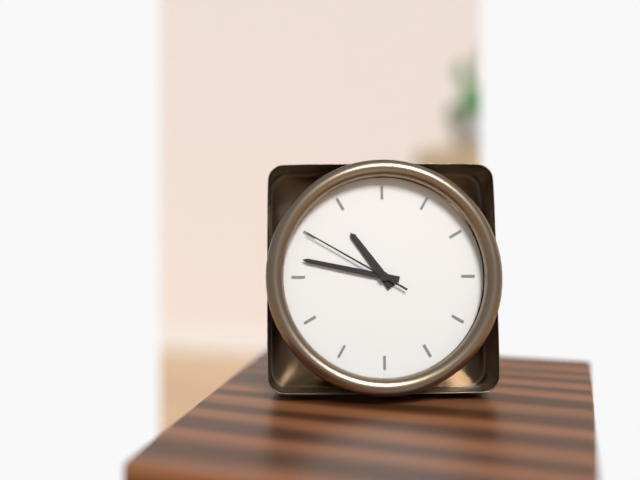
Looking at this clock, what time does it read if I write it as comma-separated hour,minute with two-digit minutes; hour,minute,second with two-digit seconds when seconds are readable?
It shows 10,47,50
